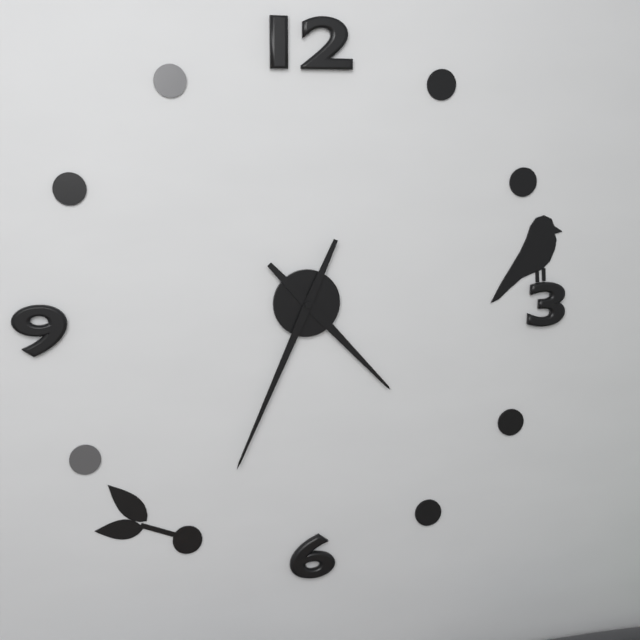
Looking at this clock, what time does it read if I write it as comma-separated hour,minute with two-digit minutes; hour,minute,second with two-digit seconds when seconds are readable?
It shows 4,34
